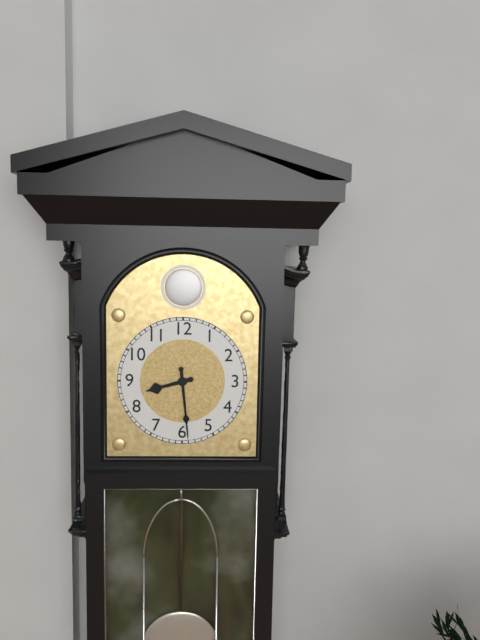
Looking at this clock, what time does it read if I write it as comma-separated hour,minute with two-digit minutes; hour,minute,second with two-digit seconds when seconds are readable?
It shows 8,29
